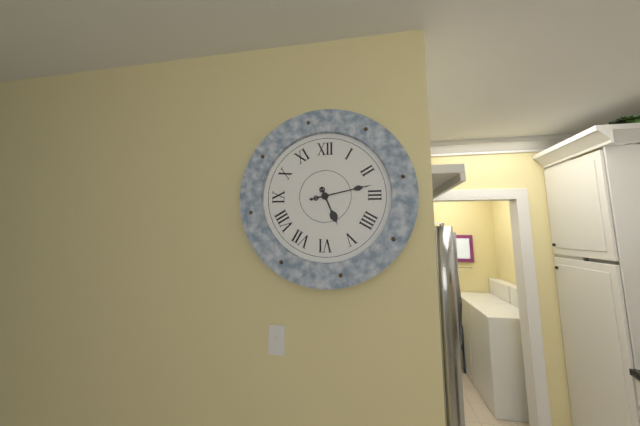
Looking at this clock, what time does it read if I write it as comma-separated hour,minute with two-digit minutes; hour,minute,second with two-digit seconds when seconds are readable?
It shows 5,13
